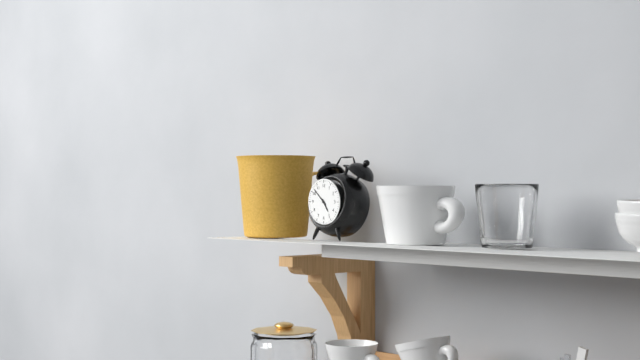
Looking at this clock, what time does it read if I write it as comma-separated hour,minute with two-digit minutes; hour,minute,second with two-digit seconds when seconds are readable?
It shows 4,52
